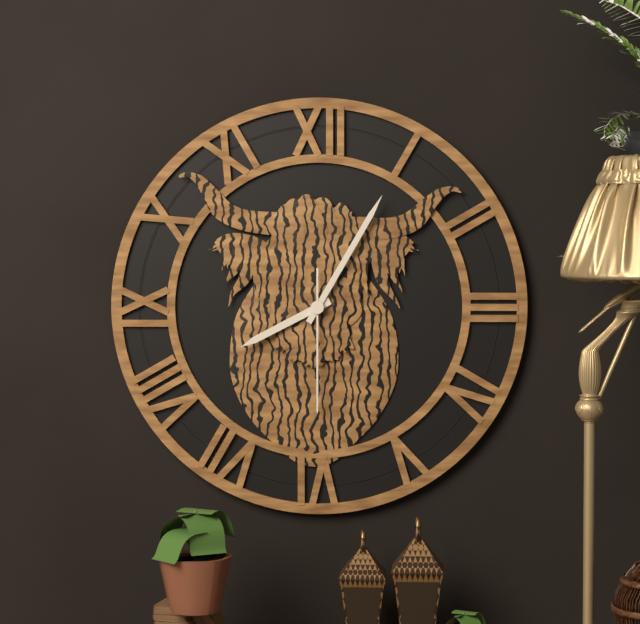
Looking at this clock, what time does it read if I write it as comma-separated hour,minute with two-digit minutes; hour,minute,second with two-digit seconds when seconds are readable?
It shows 8,05,30
